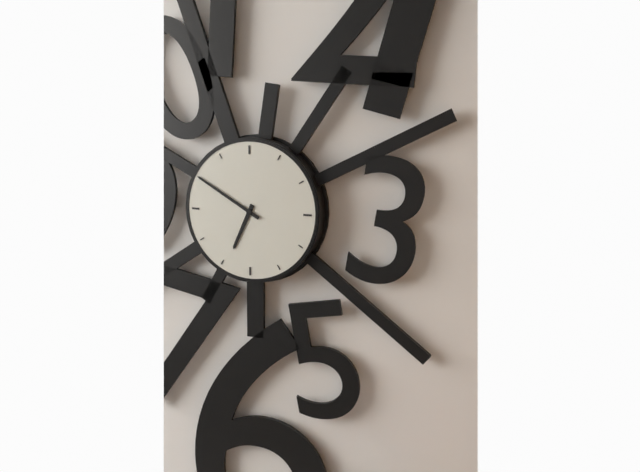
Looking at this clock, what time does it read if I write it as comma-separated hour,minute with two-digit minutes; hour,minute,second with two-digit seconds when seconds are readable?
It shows 6,50
